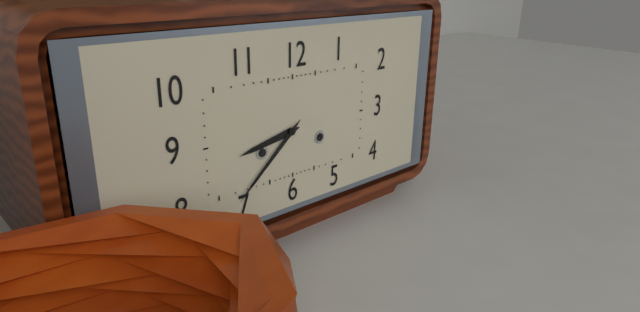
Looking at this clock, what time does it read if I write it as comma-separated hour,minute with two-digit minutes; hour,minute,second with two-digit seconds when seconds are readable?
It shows 8,38
